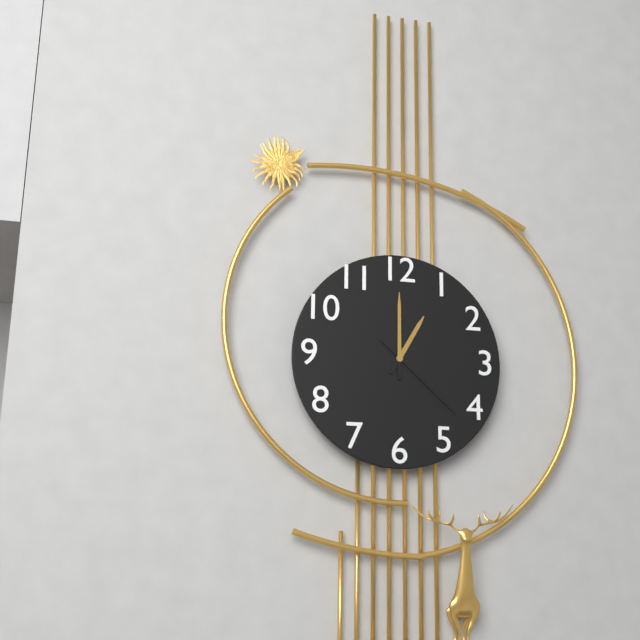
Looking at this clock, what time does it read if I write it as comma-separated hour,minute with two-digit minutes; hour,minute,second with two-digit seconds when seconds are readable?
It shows 1,00,22
